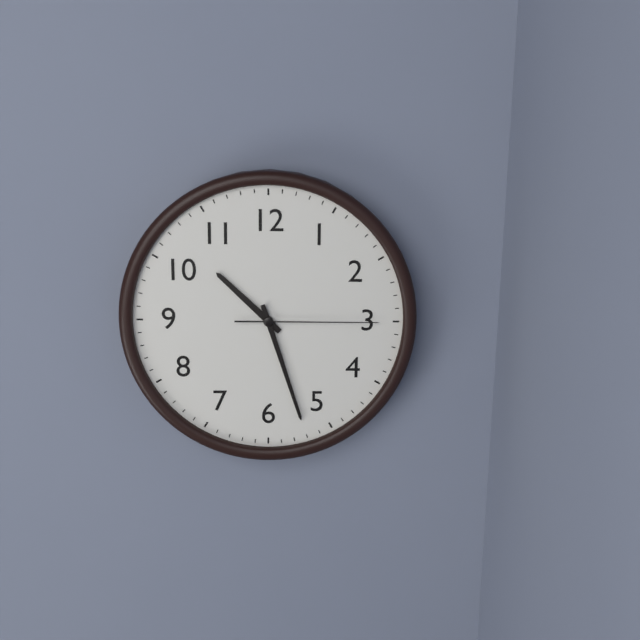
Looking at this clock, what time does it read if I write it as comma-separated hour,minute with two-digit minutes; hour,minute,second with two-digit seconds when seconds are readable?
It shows 10,27,15
